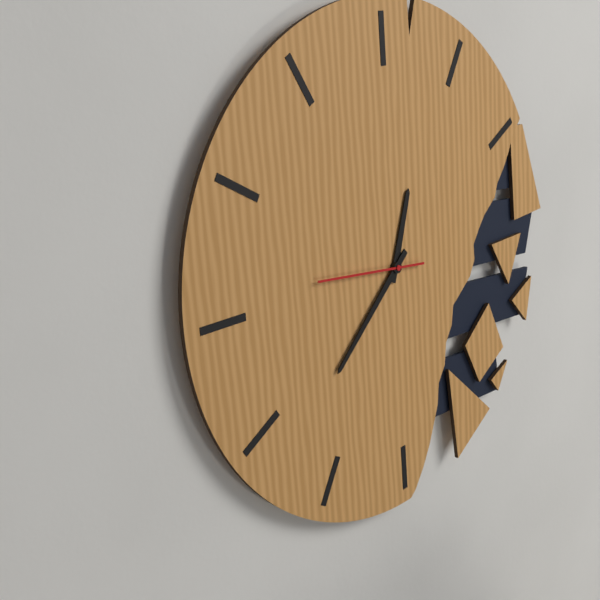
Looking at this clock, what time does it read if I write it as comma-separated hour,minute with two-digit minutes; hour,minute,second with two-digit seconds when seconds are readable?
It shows 12,38,46
